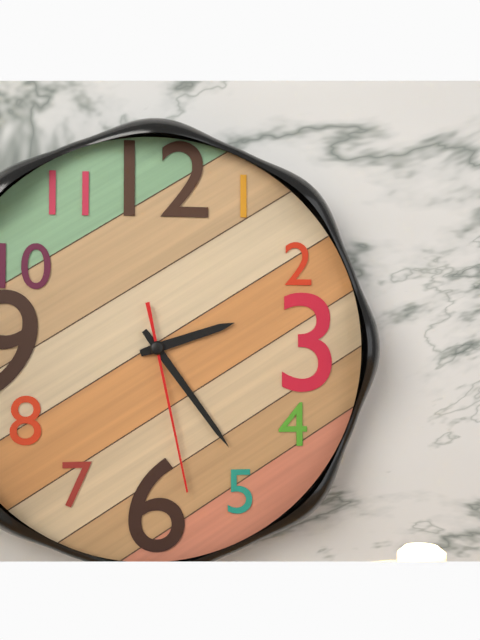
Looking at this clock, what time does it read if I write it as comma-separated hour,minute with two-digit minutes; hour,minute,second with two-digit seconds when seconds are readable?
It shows 2,24,28
